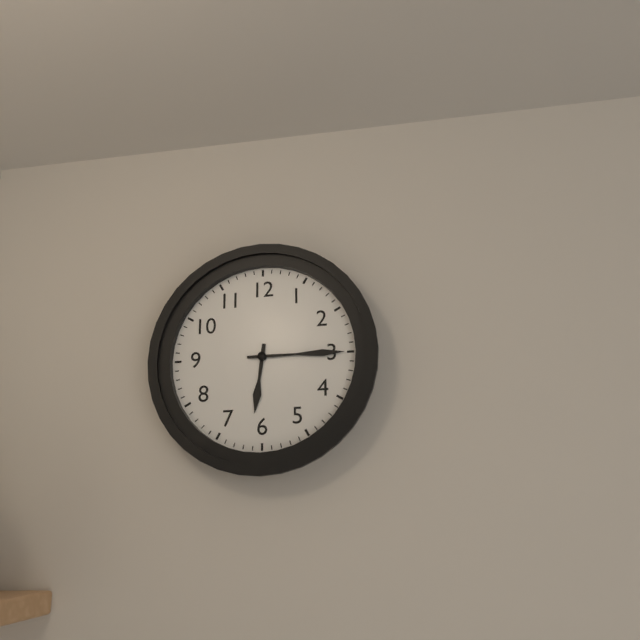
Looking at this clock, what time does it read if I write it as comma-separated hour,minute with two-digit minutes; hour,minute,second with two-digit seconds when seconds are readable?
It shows 6,15
